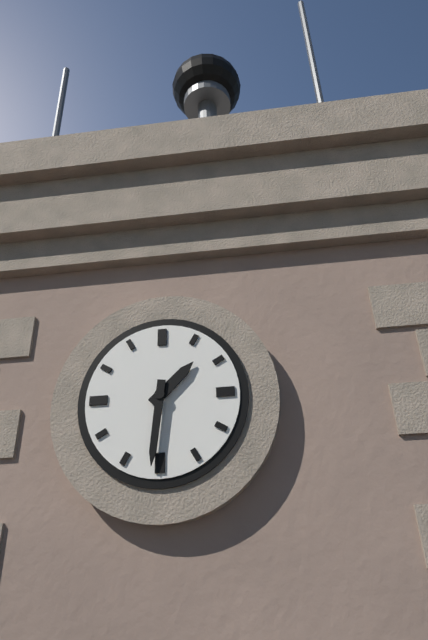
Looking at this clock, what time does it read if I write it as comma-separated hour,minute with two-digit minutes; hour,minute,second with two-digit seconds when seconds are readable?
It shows 1,31
